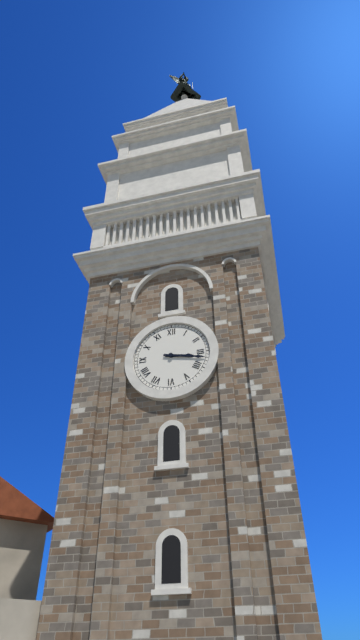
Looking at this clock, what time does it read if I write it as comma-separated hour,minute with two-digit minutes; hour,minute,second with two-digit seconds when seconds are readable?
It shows 3,17
